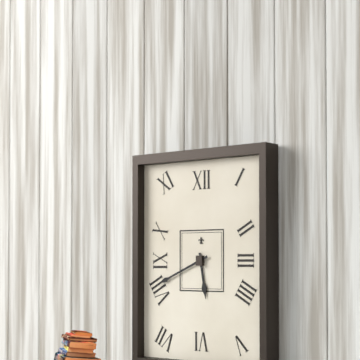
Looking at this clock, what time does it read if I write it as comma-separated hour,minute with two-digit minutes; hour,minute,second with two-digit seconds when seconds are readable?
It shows 5,41
